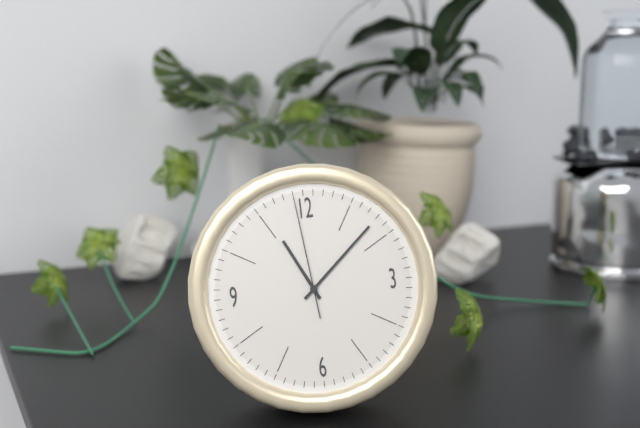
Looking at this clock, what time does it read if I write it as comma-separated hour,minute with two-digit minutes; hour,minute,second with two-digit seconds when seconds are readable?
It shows 11,08,59
